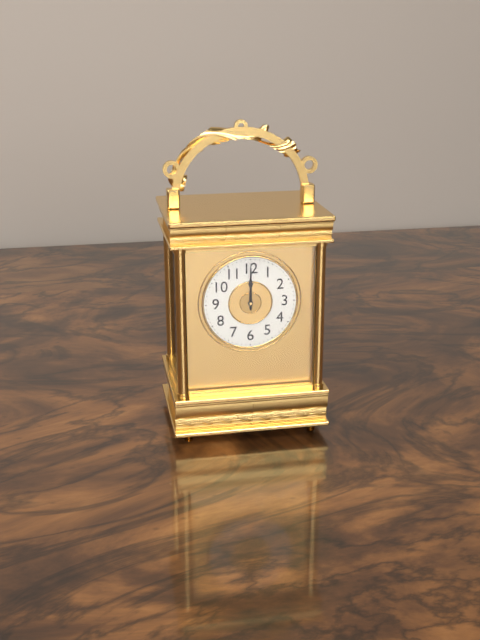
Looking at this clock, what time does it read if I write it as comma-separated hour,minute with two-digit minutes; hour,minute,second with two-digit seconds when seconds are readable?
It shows 12,00
